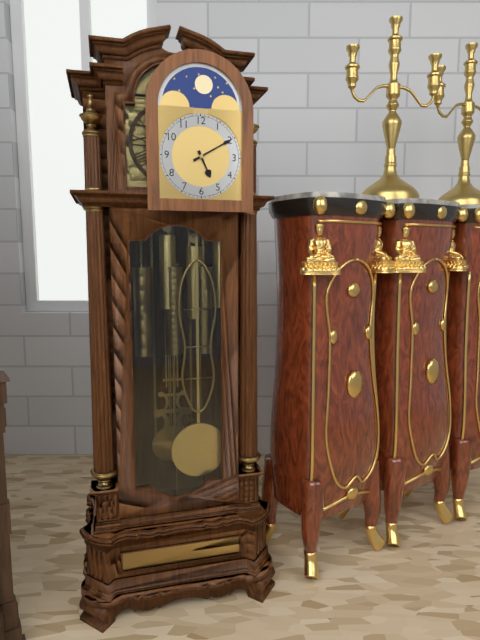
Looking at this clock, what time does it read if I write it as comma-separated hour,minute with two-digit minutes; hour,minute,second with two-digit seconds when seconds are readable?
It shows 5,10
